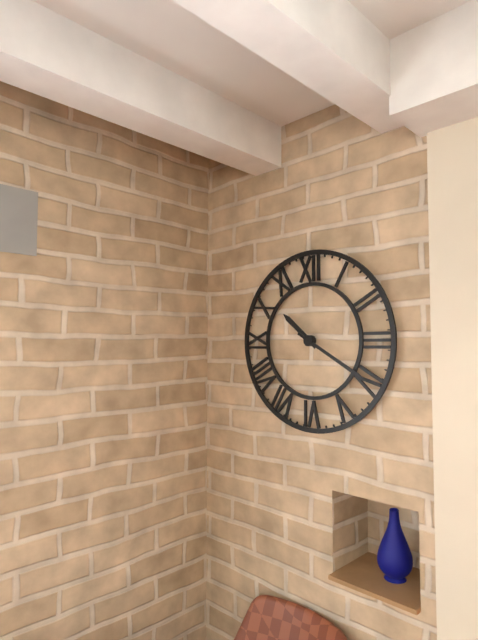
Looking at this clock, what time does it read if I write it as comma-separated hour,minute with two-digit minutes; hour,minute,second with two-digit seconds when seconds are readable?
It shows 10,20
